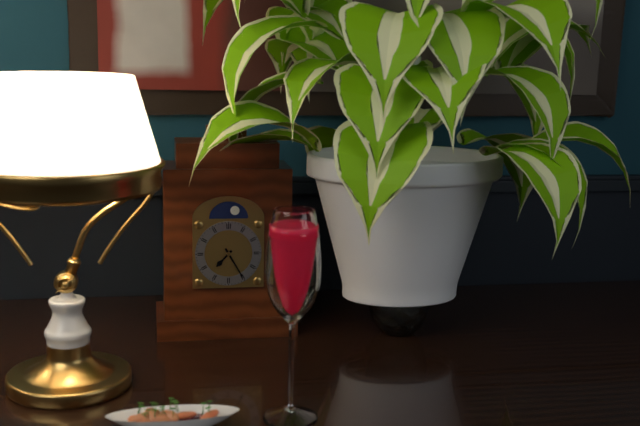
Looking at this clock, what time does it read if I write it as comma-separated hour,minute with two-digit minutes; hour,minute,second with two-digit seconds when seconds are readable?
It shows 7,25
